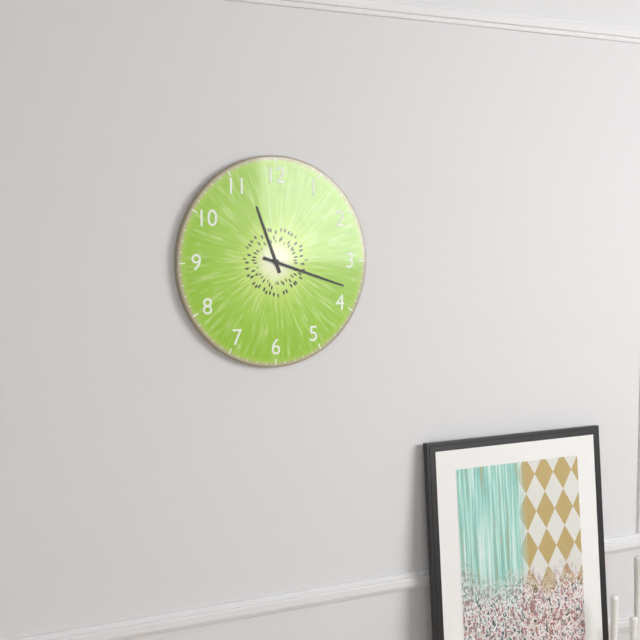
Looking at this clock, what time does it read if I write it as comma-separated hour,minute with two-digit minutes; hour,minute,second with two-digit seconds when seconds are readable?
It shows 11,18
